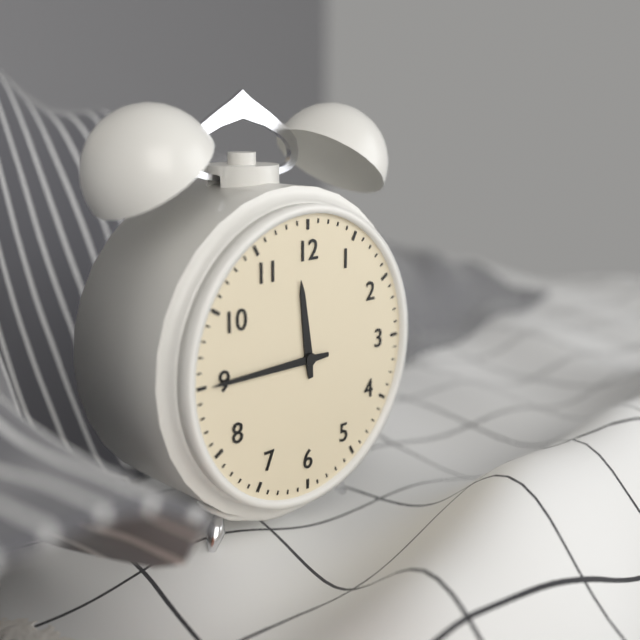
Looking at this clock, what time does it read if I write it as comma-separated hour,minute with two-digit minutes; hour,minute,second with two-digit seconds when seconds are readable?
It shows 11,45
